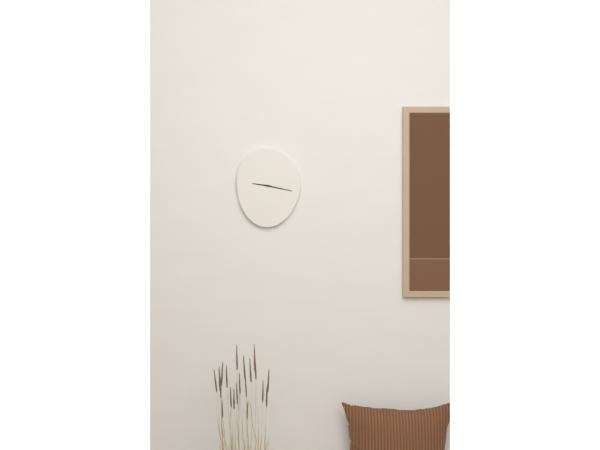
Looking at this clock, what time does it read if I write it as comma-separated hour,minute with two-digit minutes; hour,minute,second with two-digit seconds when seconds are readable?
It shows 9,17
